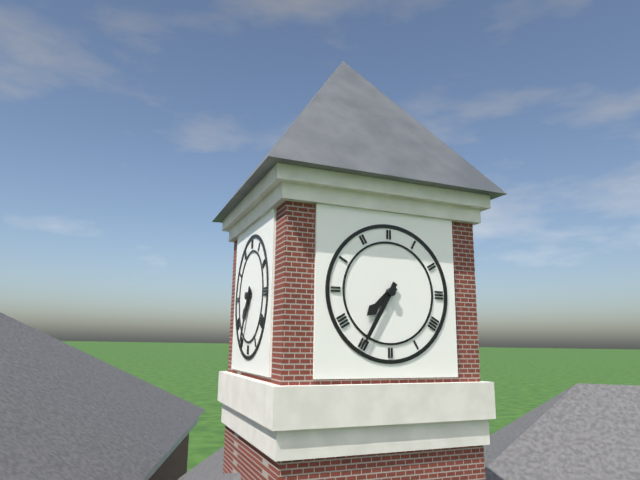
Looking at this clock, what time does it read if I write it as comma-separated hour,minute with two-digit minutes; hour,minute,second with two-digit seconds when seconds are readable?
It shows 7,35
